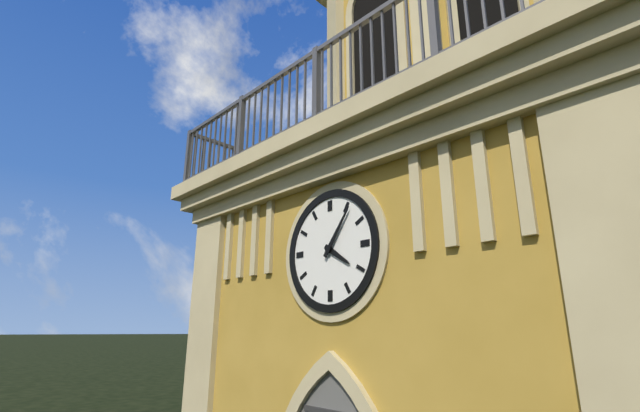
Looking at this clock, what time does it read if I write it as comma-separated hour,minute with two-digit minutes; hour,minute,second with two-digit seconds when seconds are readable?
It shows 4,06
